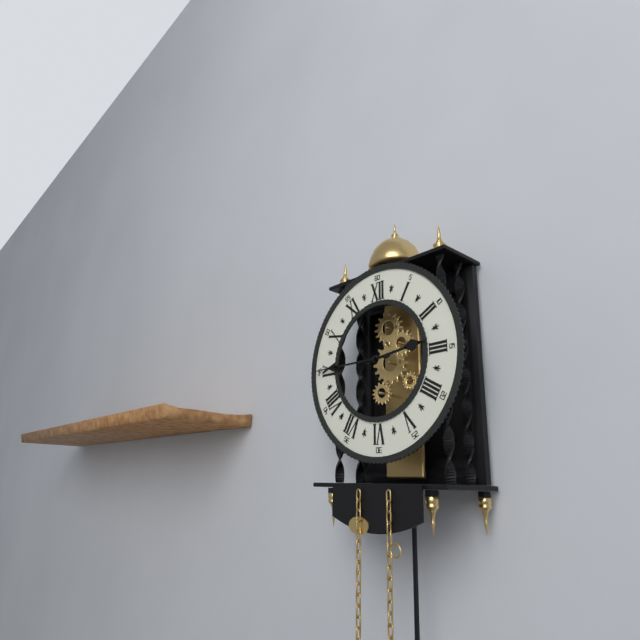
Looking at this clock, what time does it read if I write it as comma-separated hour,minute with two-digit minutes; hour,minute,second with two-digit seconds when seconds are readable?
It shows 2,45
